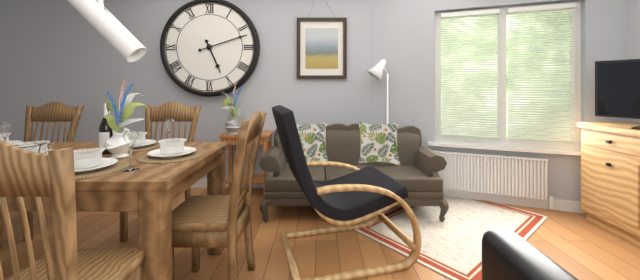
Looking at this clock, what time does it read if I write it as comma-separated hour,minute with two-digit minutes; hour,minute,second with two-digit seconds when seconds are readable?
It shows 5,12
